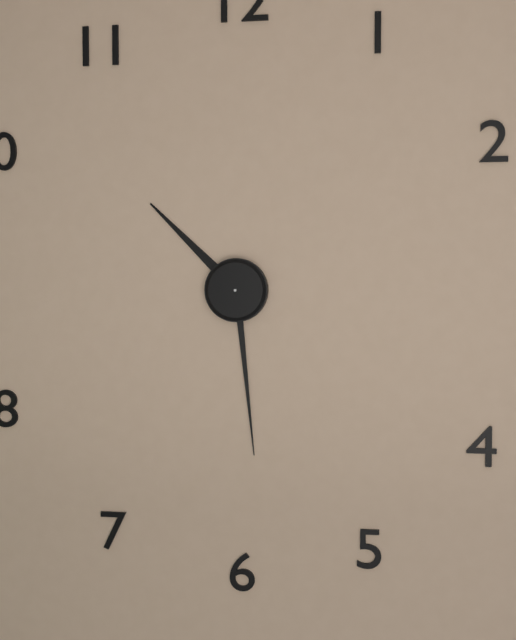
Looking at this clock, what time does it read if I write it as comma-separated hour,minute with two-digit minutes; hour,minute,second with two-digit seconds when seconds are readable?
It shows 10,29
